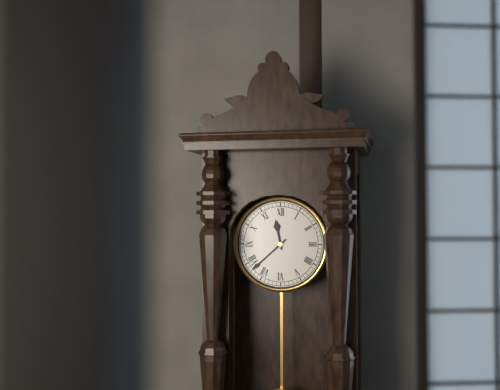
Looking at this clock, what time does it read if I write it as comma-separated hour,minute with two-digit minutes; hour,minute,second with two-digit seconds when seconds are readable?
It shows 11,38
